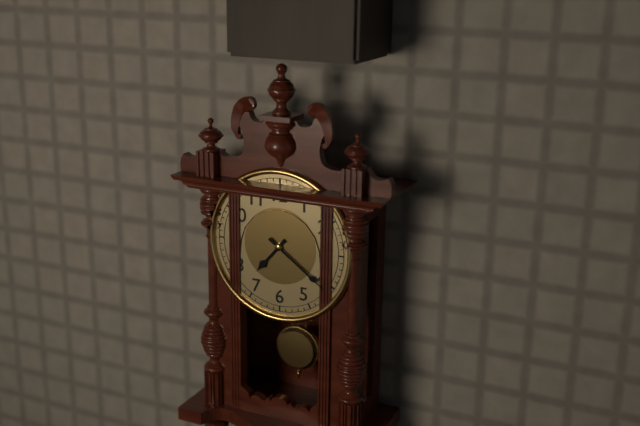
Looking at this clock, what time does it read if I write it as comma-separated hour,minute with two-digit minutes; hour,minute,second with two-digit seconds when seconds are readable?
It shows 7,21
